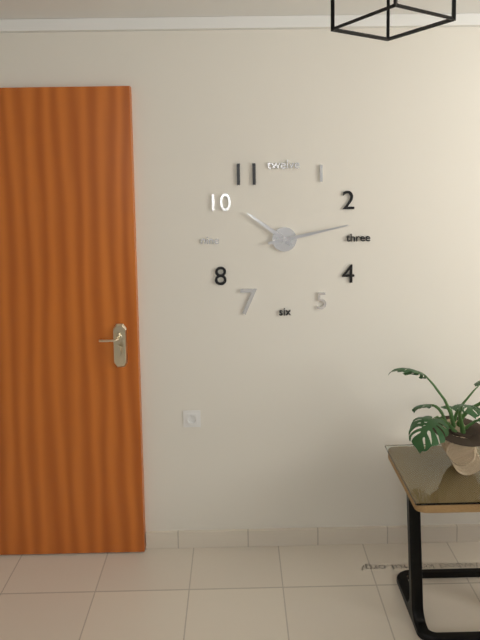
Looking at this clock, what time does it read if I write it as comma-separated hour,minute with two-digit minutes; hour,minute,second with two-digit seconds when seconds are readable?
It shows 10,13
